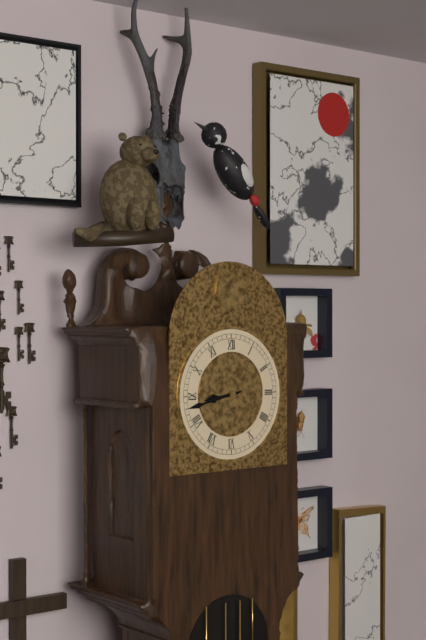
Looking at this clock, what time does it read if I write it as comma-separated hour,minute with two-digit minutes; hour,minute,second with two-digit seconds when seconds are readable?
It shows 8,43
